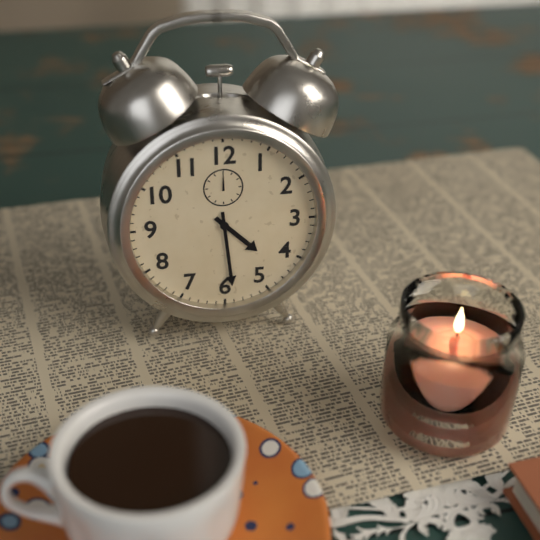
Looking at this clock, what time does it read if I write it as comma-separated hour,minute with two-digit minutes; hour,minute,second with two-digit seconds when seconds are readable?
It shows 4,29
